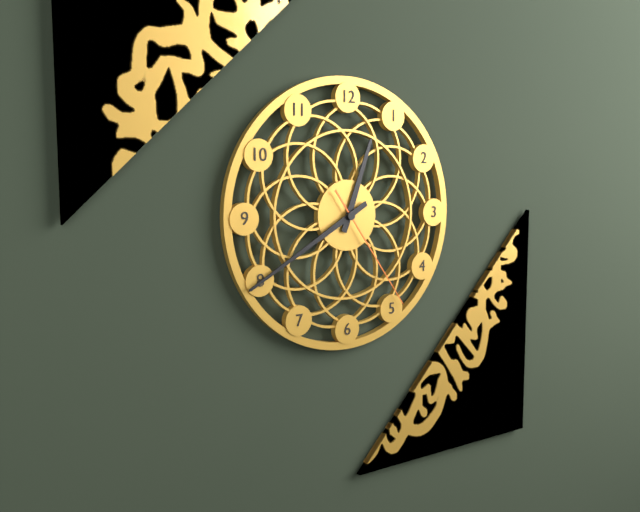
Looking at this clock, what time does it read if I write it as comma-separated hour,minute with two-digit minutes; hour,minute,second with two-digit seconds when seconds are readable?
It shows 12,40,24
